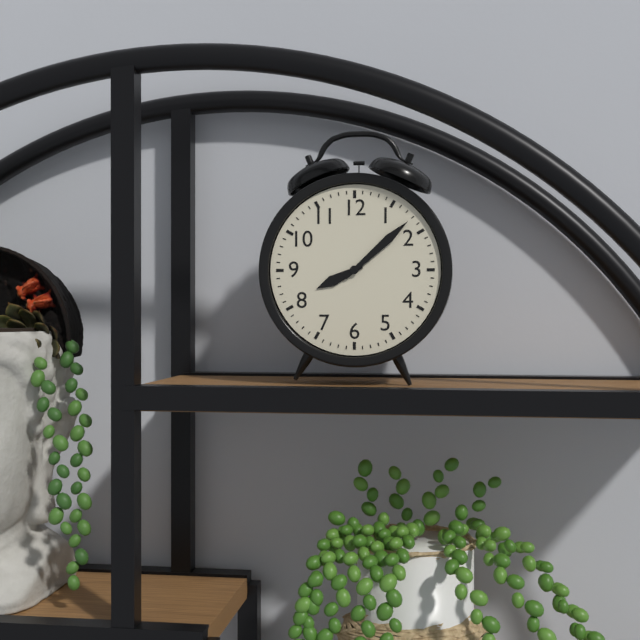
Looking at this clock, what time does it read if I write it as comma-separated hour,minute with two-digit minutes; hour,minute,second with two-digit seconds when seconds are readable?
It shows 8,08
